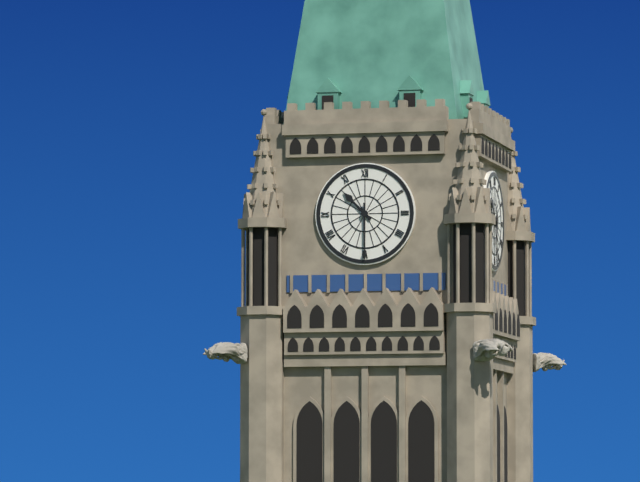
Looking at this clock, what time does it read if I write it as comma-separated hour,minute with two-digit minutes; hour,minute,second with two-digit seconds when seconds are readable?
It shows 10,30
